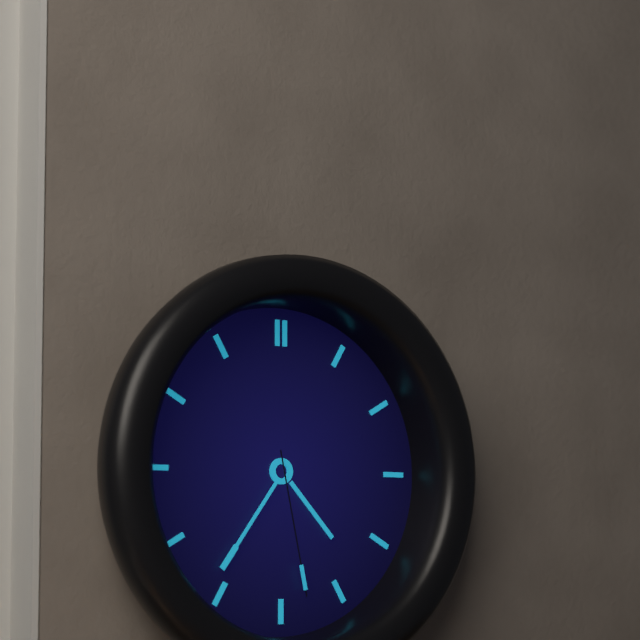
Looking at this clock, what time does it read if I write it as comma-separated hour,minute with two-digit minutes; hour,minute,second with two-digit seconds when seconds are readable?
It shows 4,36,28
